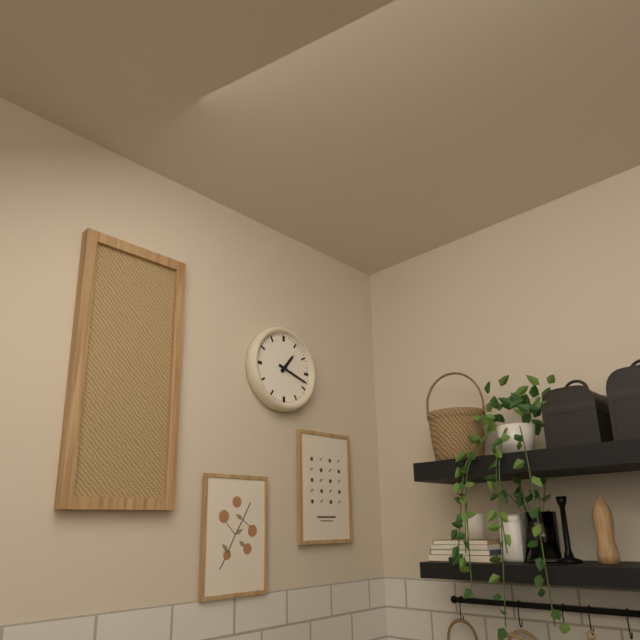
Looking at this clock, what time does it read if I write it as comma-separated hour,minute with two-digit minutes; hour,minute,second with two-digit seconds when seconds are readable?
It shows 1,18
